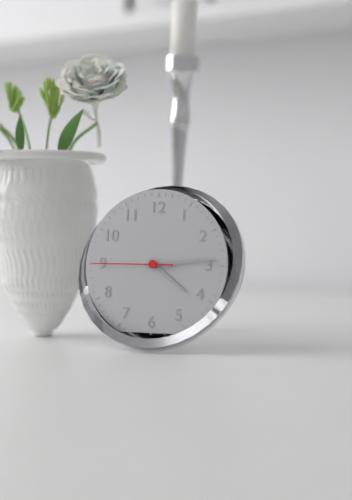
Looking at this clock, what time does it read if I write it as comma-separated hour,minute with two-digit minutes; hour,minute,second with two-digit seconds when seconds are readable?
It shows 4,14,45
